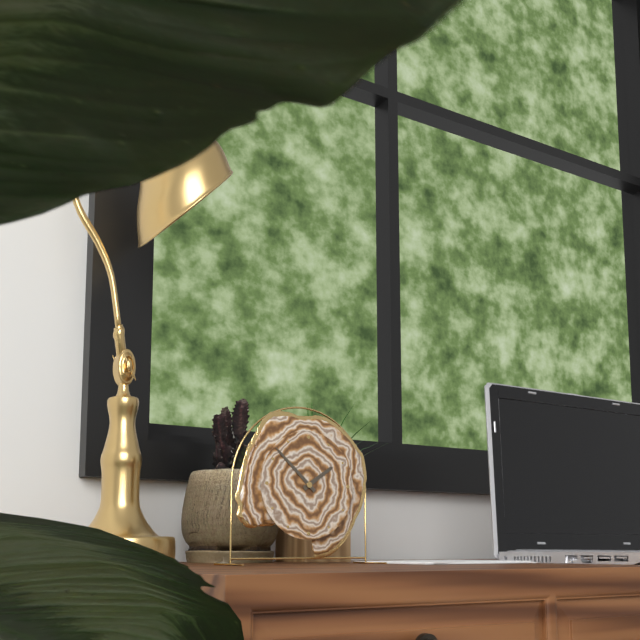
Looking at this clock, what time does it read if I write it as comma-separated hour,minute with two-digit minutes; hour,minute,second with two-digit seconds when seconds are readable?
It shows 1,52
